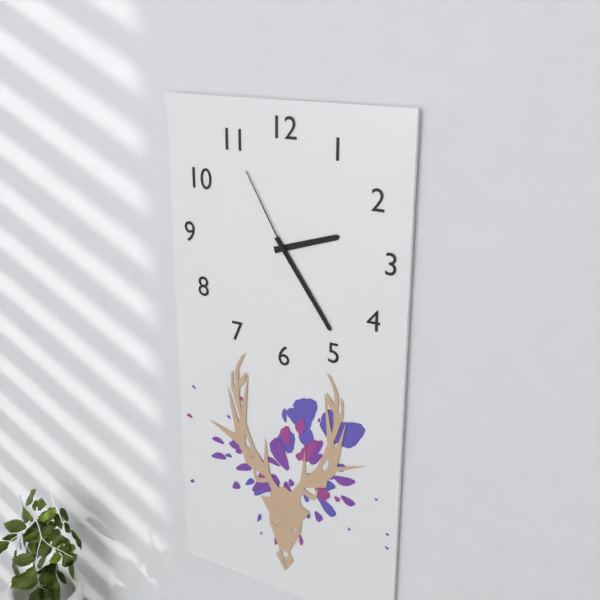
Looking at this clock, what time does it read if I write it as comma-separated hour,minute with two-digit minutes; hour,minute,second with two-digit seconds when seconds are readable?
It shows 2,24,55
